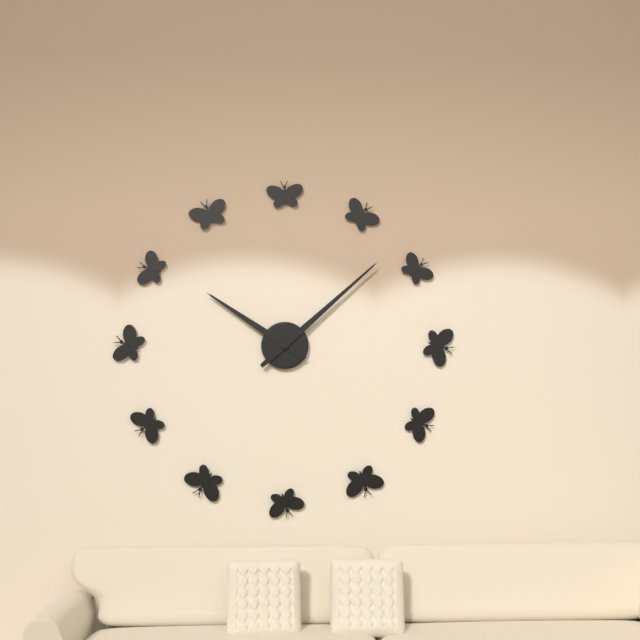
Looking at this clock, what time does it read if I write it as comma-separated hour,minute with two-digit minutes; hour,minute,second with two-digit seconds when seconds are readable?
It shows 10,08
